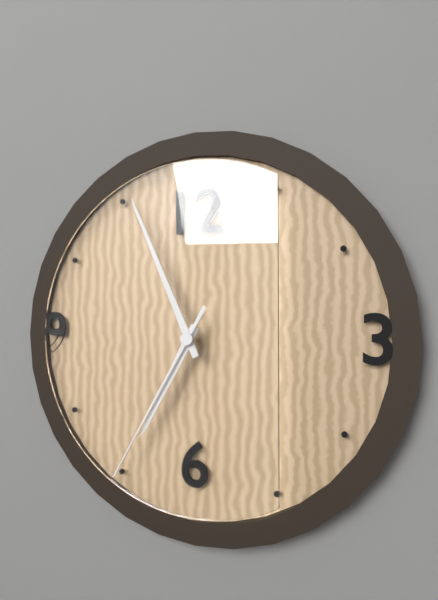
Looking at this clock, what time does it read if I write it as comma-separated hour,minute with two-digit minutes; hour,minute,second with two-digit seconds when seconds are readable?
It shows 6,56,35
